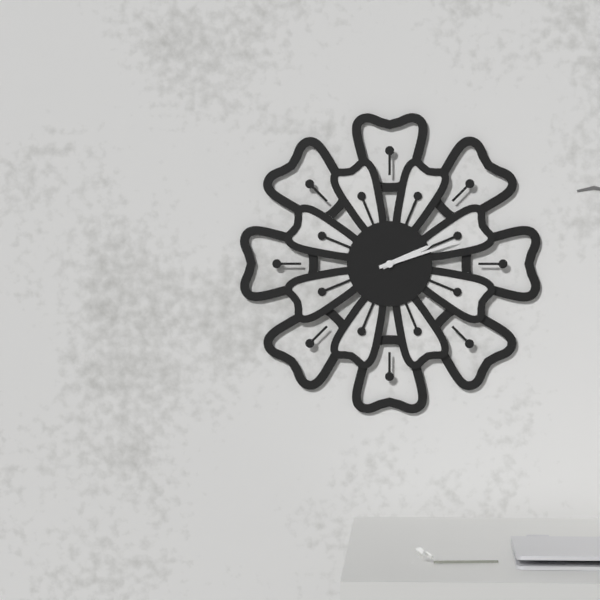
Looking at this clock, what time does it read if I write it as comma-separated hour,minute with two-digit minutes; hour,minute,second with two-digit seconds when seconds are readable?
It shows 2,12
